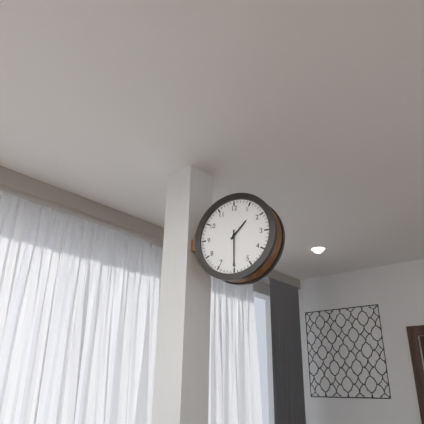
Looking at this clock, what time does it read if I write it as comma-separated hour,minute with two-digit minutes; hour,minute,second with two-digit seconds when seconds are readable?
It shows 1,30
